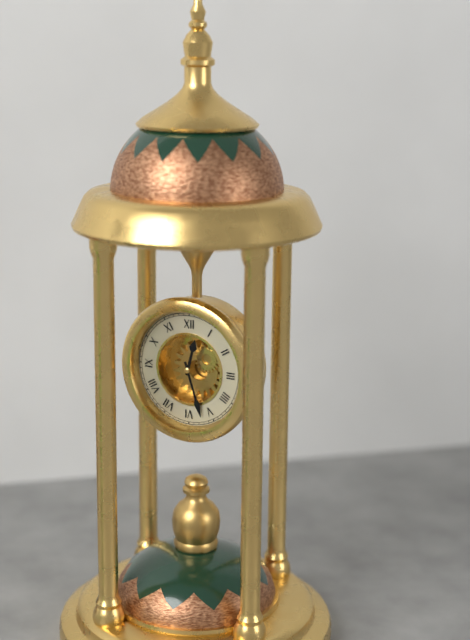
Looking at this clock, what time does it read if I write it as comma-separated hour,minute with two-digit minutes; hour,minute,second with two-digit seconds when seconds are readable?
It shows 12,27
